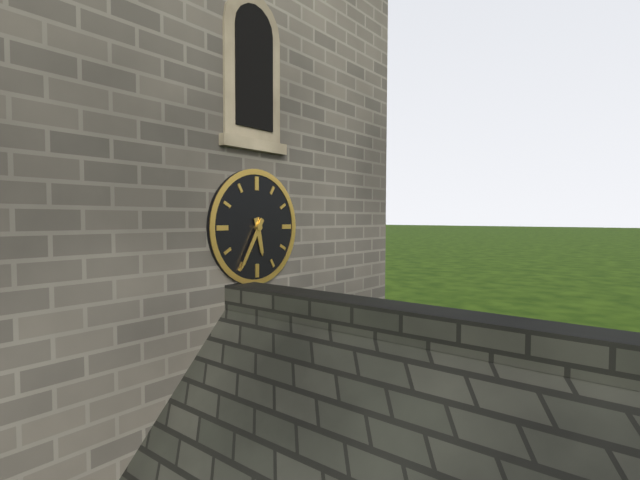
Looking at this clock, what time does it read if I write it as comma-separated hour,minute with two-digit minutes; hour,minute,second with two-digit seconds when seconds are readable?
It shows 5,35
